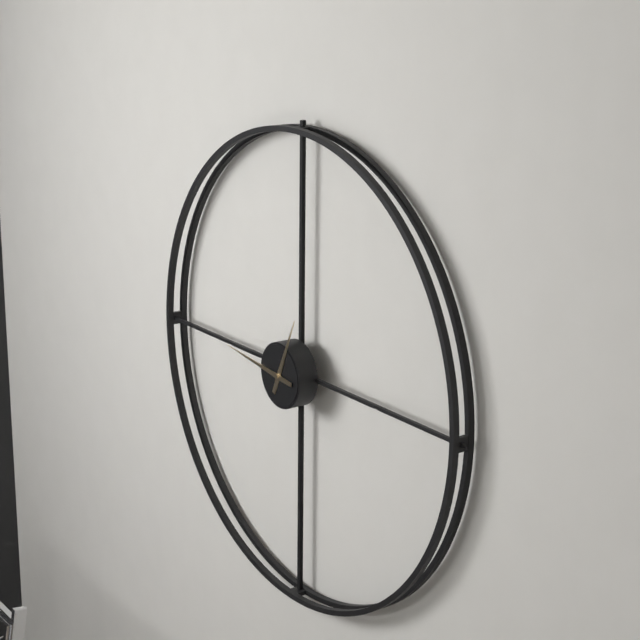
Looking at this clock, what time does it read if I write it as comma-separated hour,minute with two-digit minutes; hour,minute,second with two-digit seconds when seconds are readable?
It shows 12,46
